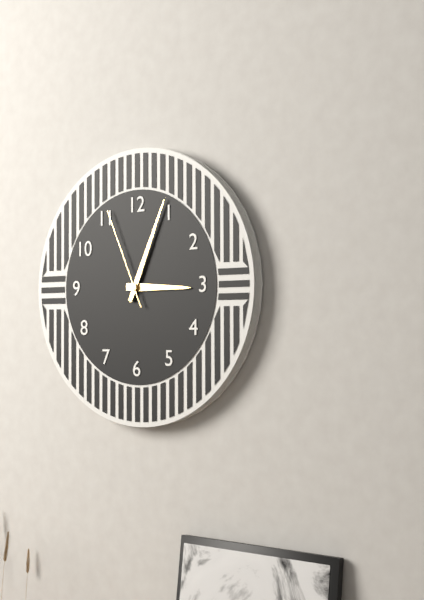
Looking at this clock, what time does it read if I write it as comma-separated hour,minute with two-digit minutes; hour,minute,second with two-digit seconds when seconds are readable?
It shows 3,04,56
